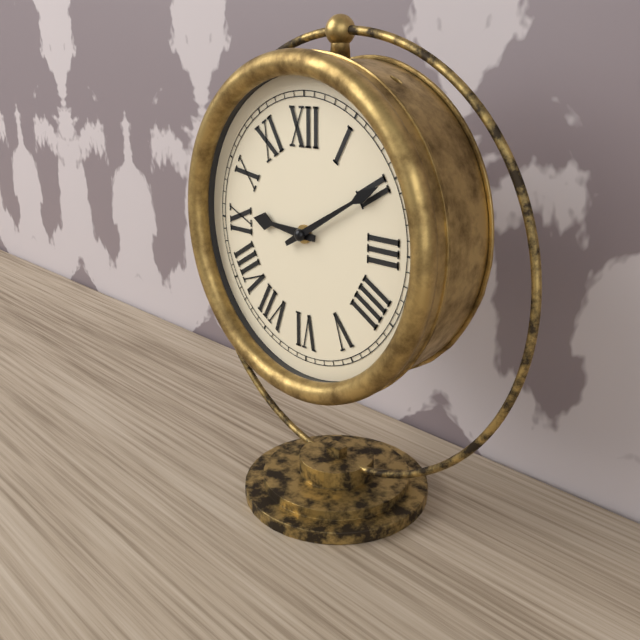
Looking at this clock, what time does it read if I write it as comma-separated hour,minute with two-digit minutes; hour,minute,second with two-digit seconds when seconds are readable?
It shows 9,10
